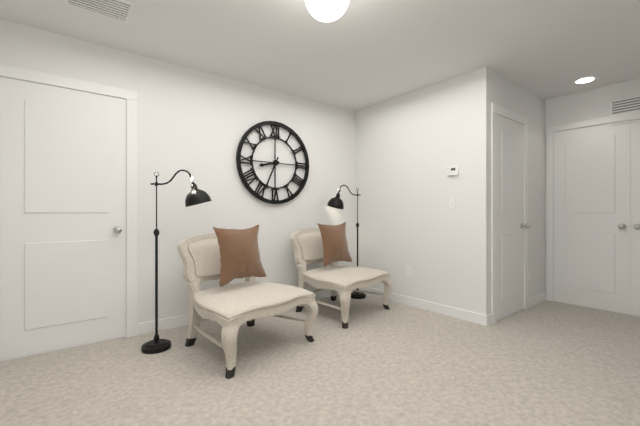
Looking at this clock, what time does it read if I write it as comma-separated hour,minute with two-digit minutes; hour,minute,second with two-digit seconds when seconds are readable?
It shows 8,34
